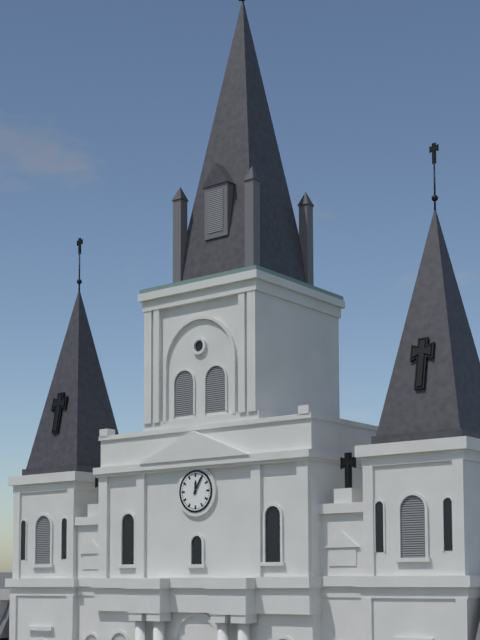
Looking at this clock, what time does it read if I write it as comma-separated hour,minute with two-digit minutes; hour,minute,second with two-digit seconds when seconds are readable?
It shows 12,05
